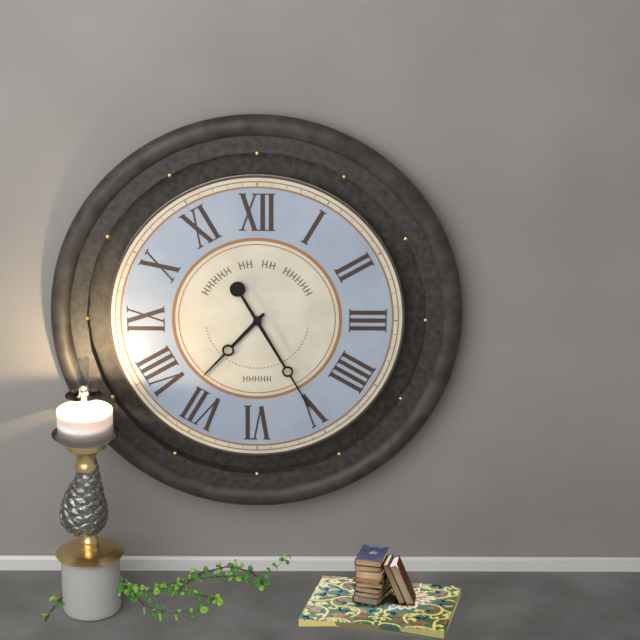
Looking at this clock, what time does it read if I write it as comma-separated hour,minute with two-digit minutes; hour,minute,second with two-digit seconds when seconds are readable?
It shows 7,25
